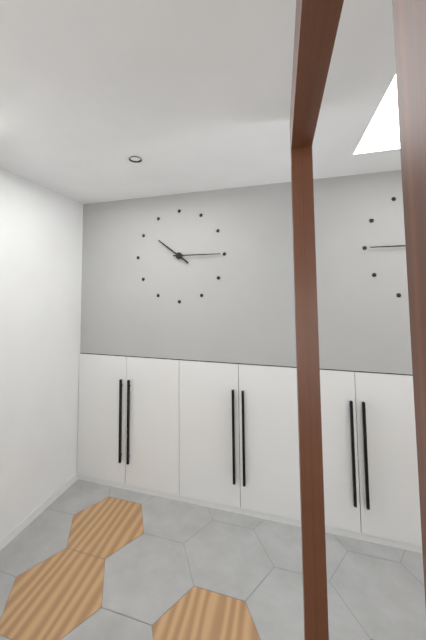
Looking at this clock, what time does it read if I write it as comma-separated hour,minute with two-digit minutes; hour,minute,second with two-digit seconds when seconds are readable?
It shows 10,15
